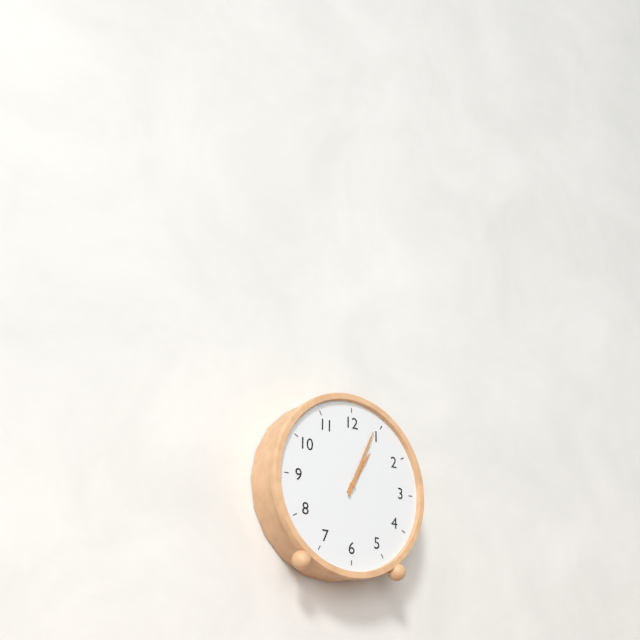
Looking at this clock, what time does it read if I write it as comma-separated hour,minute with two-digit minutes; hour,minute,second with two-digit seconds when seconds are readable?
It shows 1,04
